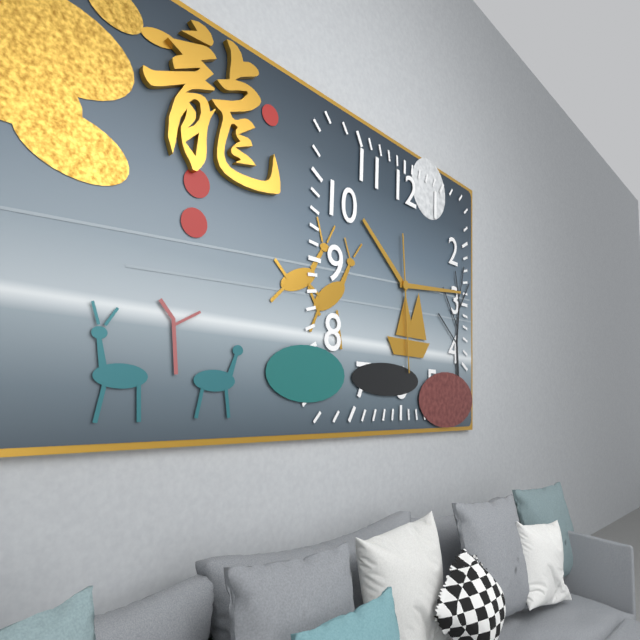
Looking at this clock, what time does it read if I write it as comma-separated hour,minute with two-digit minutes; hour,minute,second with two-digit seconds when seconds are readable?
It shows 10,14,29
